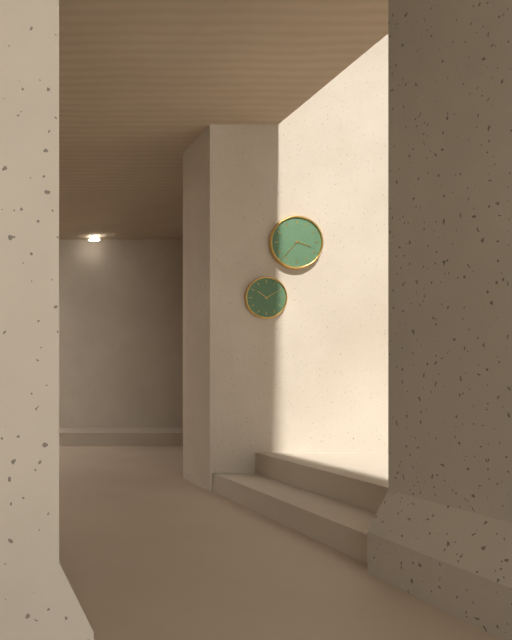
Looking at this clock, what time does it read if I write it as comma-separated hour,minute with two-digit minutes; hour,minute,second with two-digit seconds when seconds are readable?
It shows 3,37
